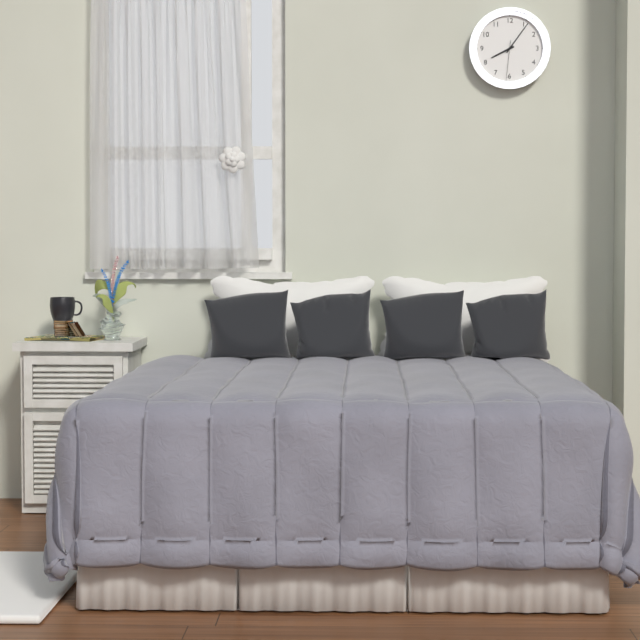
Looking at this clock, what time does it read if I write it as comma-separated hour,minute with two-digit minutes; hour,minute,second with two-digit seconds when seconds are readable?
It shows 8,06
